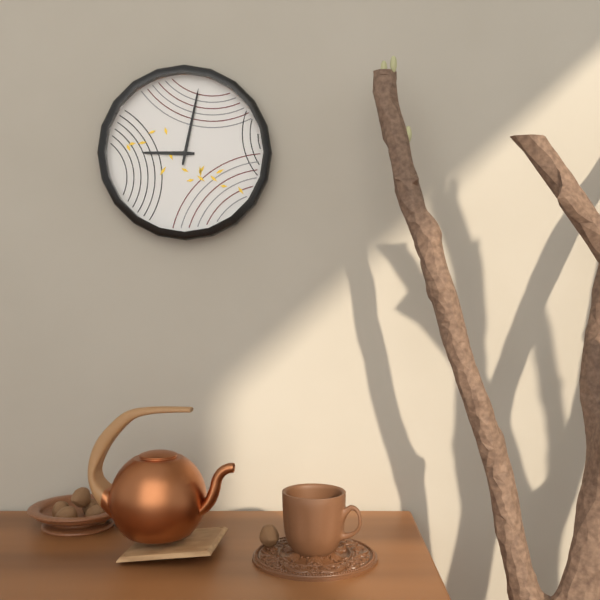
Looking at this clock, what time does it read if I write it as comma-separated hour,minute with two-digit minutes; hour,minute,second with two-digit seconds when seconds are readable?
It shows 9,02
